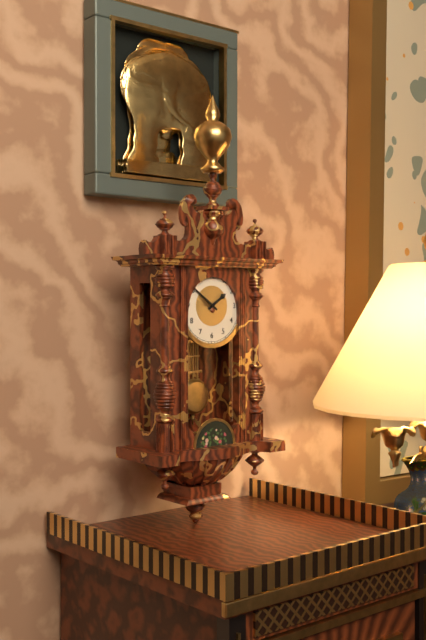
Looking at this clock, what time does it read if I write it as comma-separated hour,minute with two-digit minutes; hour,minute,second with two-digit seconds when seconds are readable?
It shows 1,51
